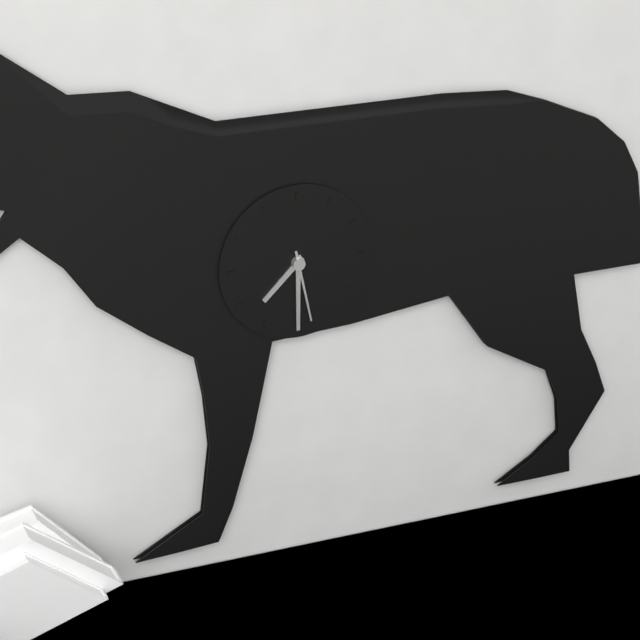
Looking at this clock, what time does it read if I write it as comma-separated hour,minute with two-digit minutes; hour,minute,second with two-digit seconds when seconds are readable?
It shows 7,30,28
